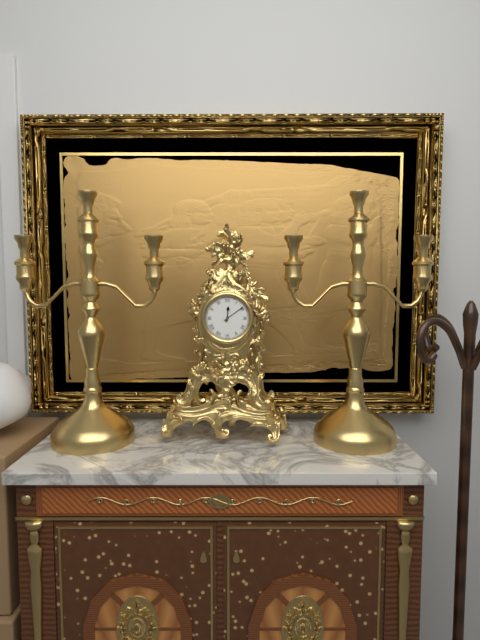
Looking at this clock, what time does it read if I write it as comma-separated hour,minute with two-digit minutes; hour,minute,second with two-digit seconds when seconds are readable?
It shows 12,09
